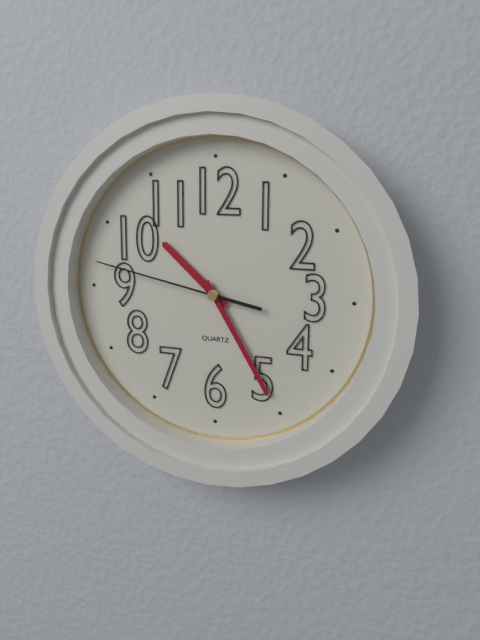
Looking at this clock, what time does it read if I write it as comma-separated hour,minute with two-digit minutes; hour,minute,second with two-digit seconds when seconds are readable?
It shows 10,25,47
